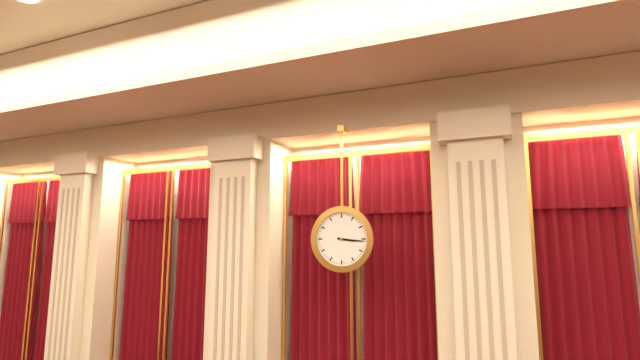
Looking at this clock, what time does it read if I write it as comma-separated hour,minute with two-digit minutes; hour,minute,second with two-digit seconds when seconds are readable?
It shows 3,16
